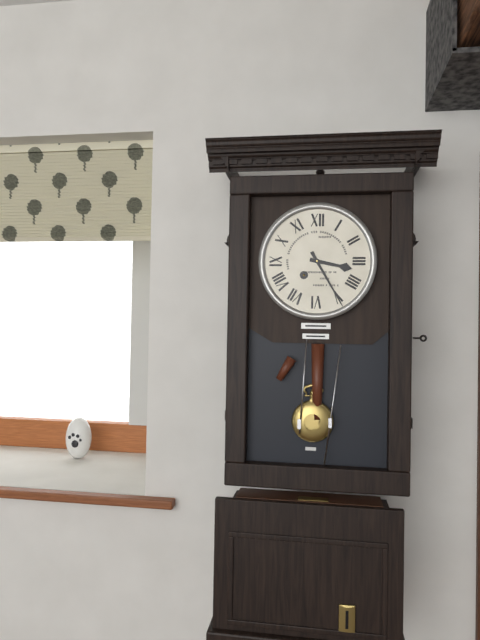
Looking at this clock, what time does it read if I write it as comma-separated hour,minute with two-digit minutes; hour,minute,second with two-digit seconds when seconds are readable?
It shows 3,25
